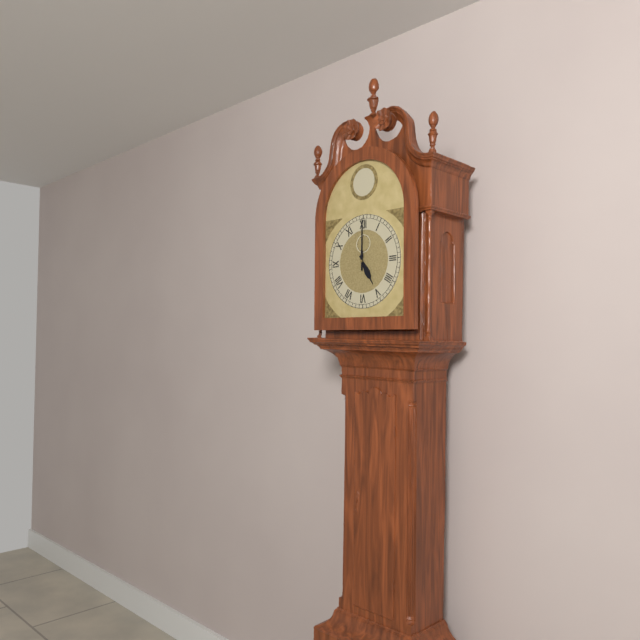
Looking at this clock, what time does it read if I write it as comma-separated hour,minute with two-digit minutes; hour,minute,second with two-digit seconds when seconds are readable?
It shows 5,00
